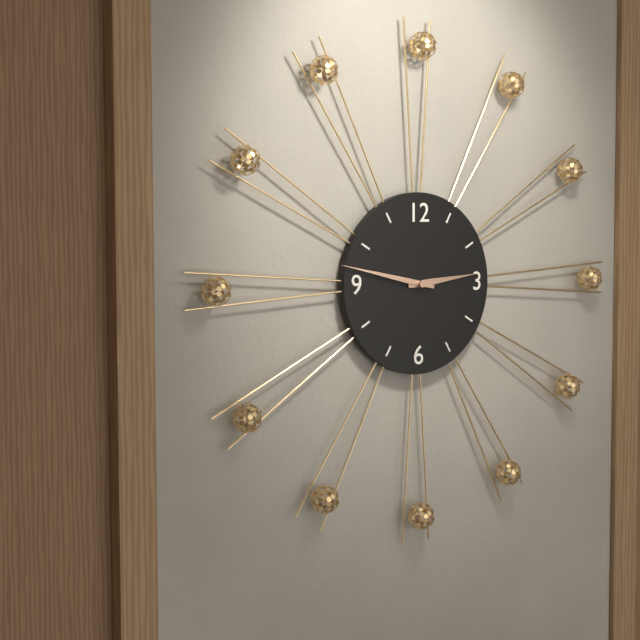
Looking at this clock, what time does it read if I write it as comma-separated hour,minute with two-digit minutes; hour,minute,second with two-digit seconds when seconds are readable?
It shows 2,47
